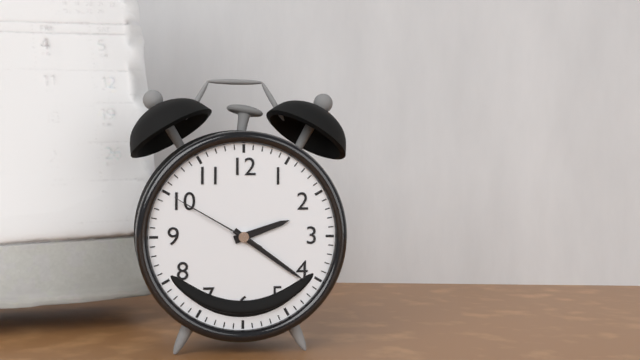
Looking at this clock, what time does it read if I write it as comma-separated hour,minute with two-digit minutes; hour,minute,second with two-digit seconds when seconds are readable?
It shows 2,21,50
